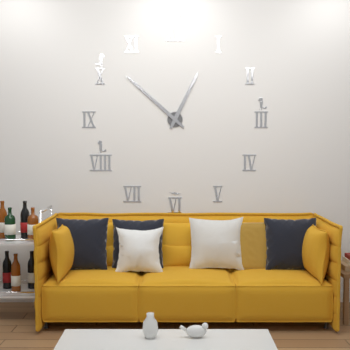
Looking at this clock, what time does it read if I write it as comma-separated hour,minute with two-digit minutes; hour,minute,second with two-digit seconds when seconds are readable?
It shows 12,52
